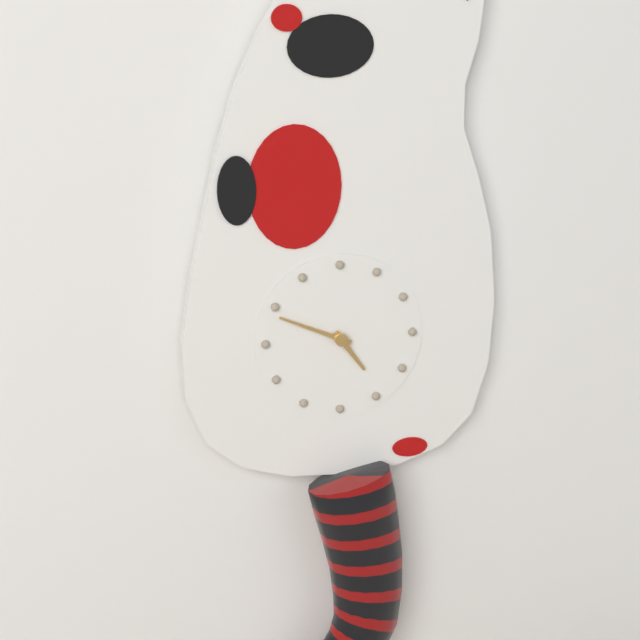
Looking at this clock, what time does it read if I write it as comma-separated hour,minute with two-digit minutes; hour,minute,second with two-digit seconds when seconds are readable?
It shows 4,49
